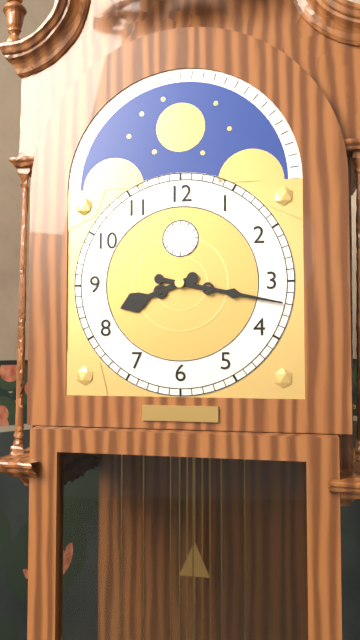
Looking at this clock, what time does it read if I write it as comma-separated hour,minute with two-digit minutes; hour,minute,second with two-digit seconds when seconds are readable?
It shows 8,17
